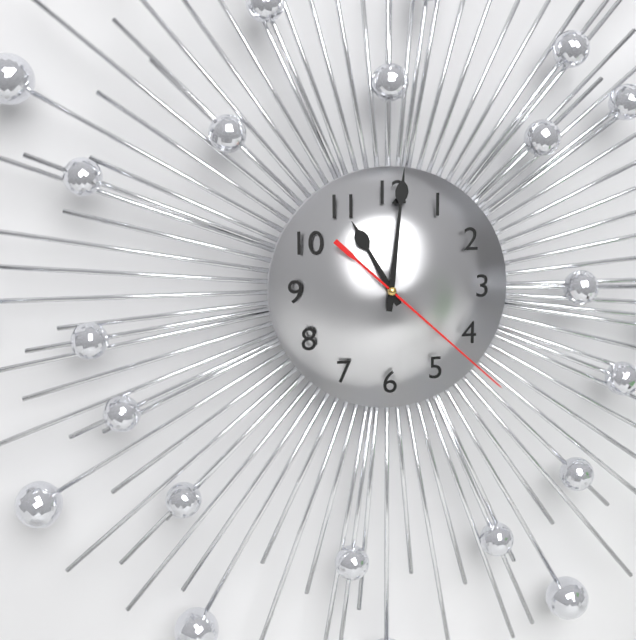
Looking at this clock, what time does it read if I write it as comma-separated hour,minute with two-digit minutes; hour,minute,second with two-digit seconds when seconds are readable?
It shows 11,01,22
